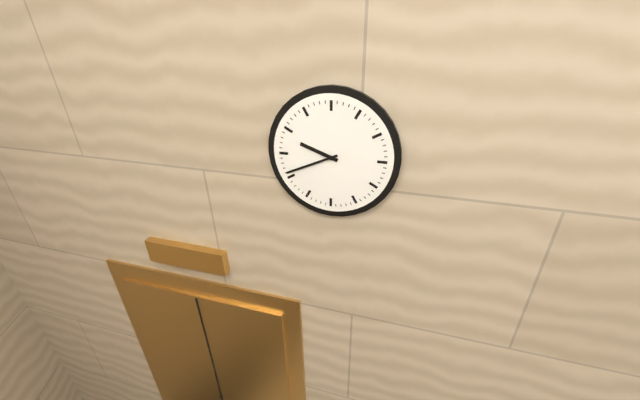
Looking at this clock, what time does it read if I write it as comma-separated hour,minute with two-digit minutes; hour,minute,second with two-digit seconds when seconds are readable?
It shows 9,41
